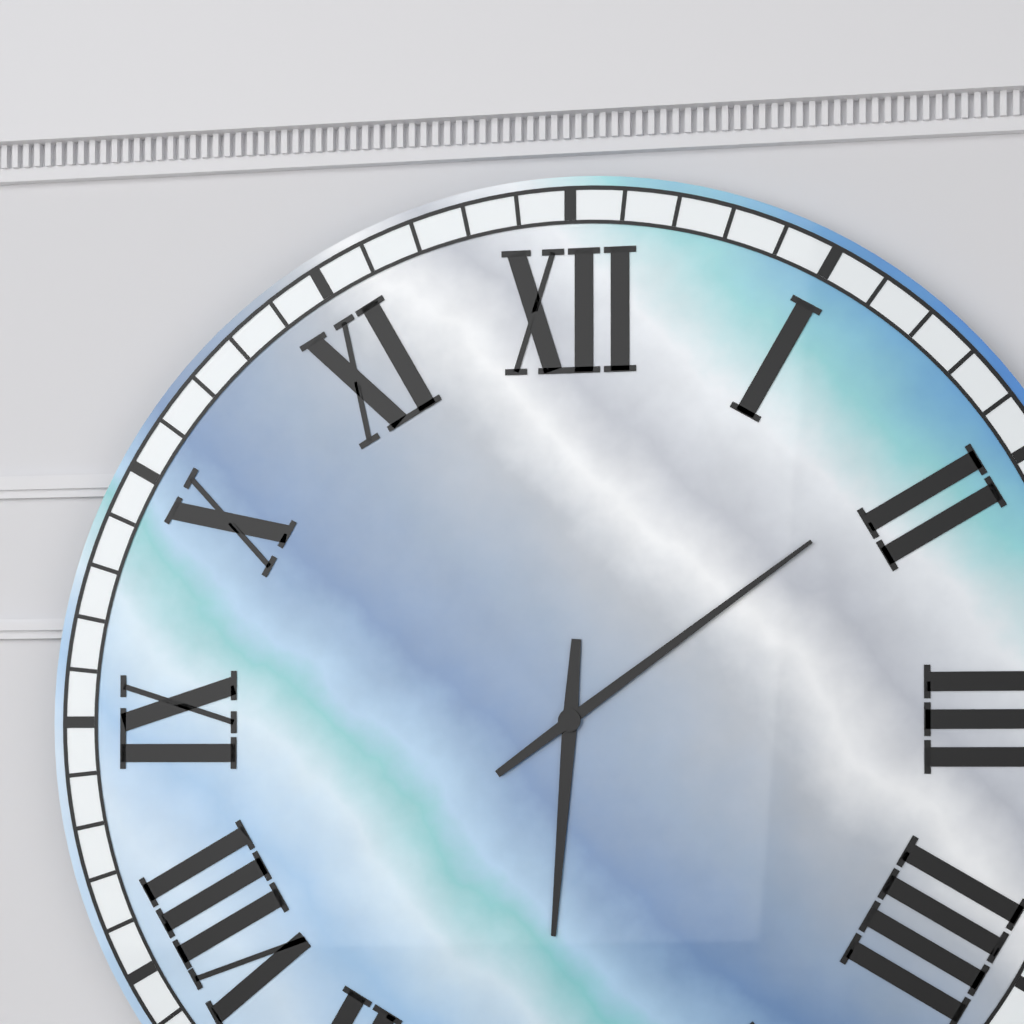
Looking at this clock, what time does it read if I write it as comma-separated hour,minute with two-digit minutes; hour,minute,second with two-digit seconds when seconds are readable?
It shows 6,09
